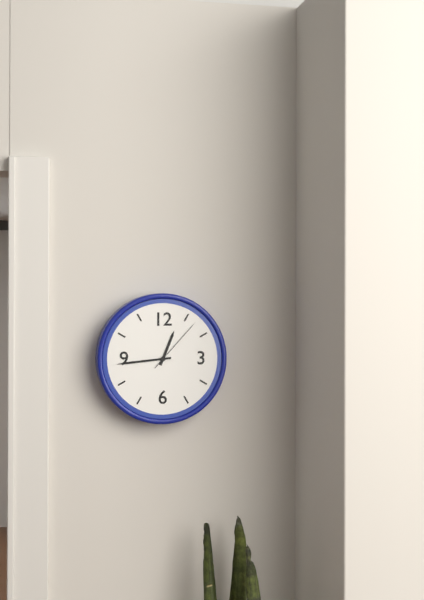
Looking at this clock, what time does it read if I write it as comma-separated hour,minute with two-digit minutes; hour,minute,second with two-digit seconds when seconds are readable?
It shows 12,44,07
